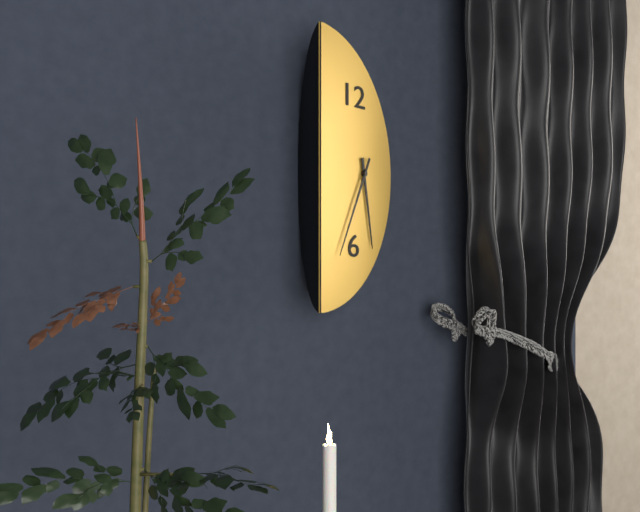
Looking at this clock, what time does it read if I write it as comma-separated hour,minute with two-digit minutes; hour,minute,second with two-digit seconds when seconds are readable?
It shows 5,35
